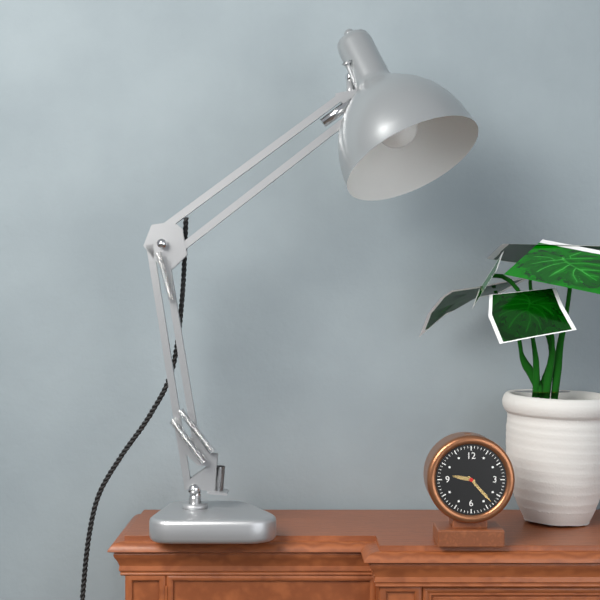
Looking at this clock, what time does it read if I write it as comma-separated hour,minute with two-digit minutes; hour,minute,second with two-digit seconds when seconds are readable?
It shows 9,23
